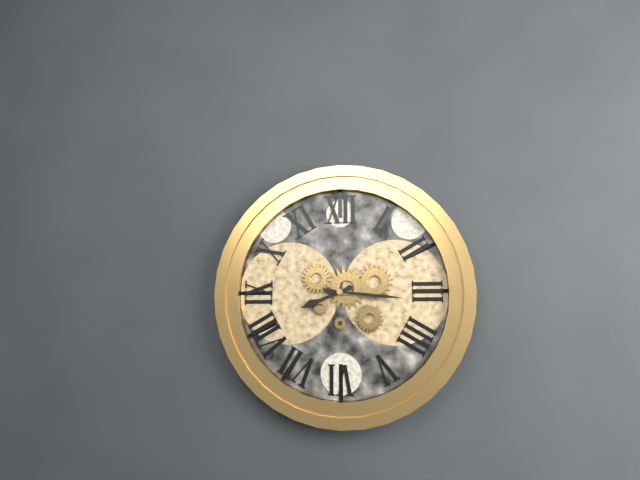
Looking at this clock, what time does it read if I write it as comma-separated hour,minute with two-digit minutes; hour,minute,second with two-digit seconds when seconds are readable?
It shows 8,16
